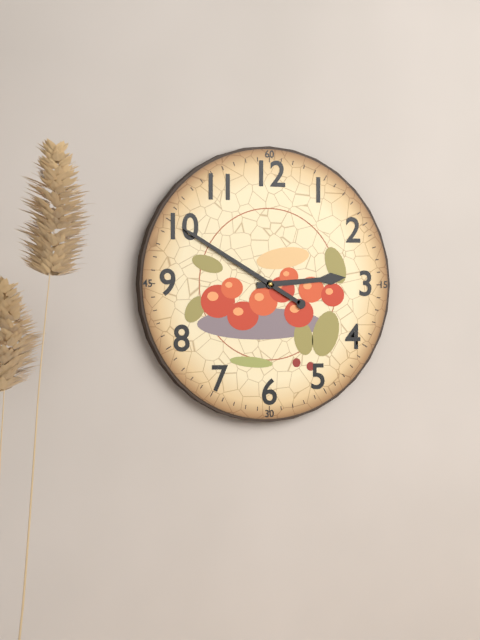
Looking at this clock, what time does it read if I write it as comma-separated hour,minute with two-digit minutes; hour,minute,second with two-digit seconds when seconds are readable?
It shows 2,50
